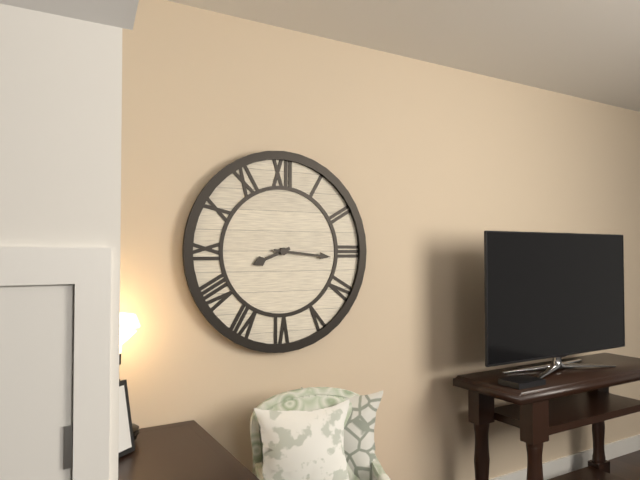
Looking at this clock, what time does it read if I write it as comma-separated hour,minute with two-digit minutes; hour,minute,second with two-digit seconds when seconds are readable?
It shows 8,16
